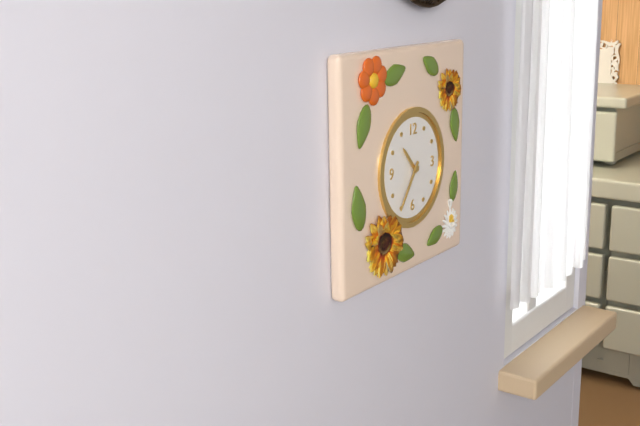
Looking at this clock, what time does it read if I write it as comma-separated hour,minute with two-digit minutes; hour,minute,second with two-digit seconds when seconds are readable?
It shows 10,36
